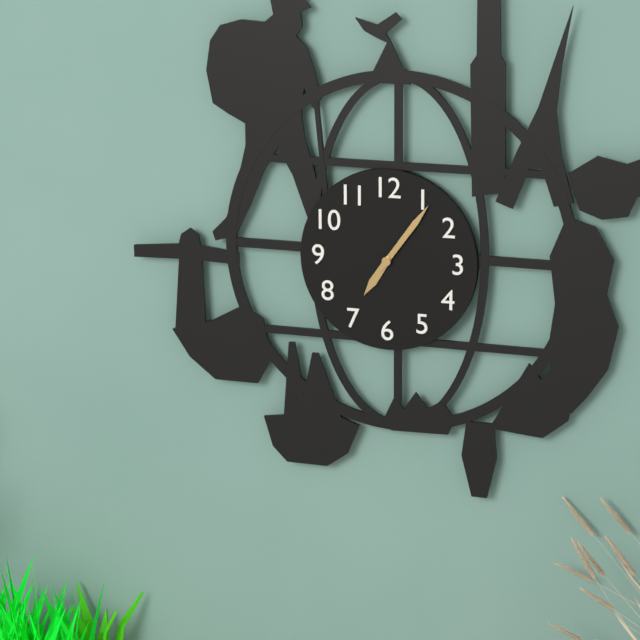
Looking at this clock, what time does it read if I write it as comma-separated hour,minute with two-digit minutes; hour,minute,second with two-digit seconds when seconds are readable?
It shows 7,06
